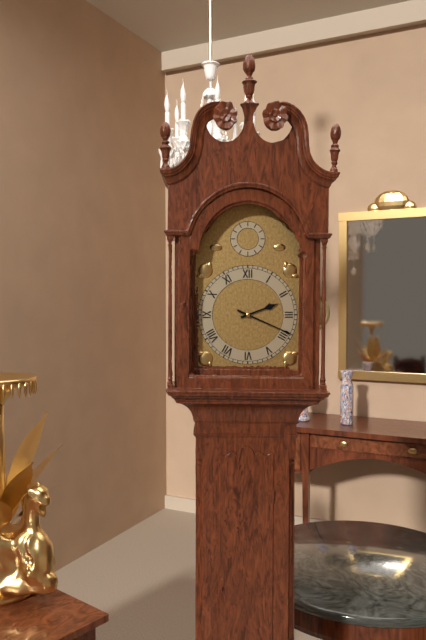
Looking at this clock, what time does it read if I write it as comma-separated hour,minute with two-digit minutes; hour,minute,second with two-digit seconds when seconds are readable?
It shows 2,19
